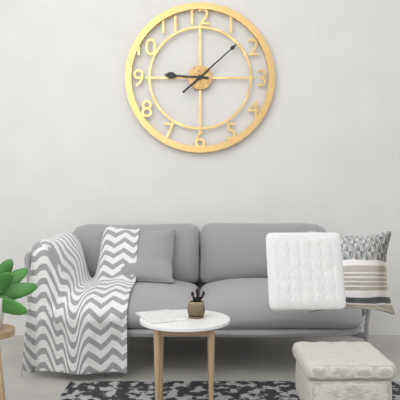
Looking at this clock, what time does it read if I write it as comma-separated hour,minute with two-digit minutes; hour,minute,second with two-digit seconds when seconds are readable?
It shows 9,08
